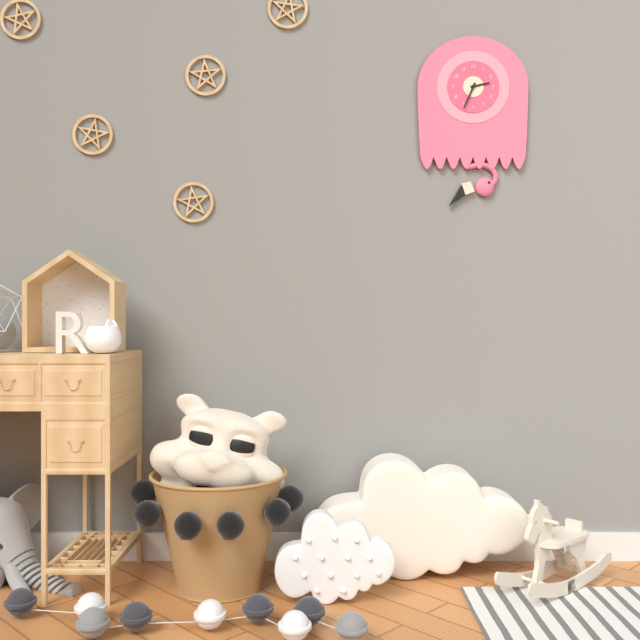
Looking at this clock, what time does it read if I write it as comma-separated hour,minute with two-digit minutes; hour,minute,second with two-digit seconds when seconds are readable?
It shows 2,34
